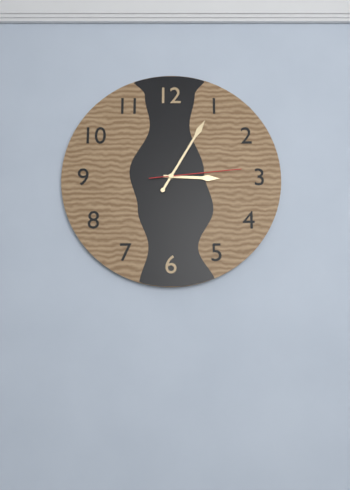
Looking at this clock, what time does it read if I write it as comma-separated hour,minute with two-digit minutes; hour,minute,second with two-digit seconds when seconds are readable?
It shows 3,05,14
